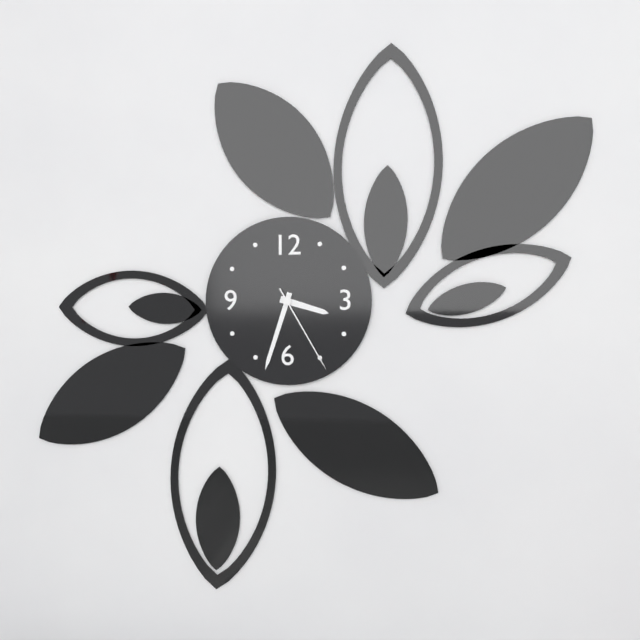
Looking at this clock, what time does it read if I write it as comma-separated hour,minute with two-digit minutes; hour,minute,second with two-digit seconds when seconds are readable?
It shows 3,33,25
